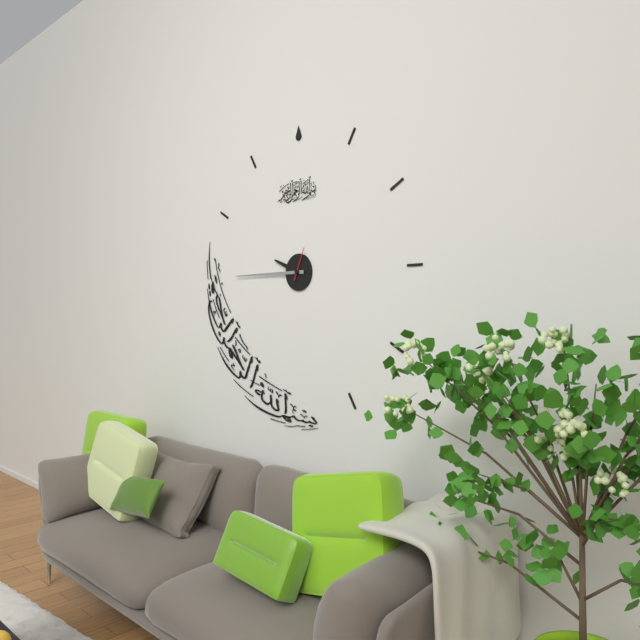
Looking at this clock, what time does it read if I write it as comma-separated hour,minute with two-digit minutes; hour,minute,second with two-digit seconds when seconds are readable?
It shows 9,45
